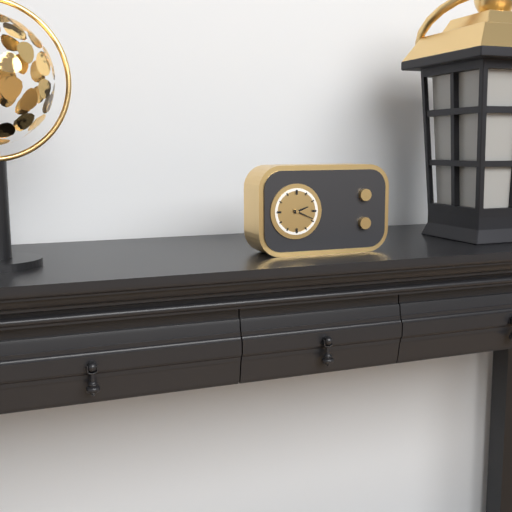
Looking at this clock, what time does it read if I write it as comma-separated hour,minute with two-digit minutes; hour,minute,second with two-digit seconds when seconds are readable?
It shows 2,19
